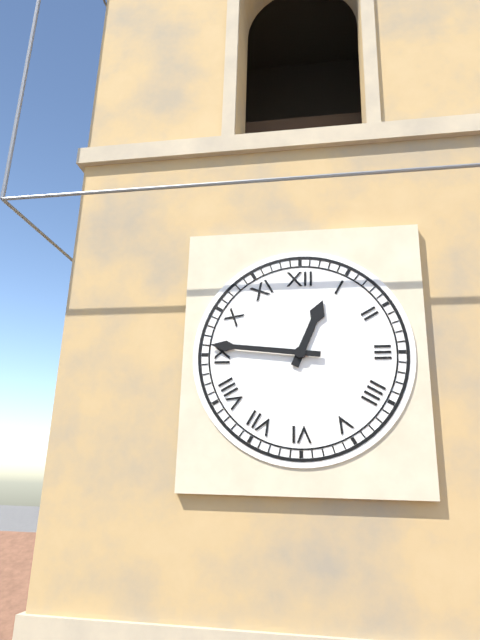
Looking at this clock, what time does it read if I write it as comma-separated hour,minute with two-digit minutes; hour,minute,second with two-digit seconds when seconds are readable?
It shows 12,46
